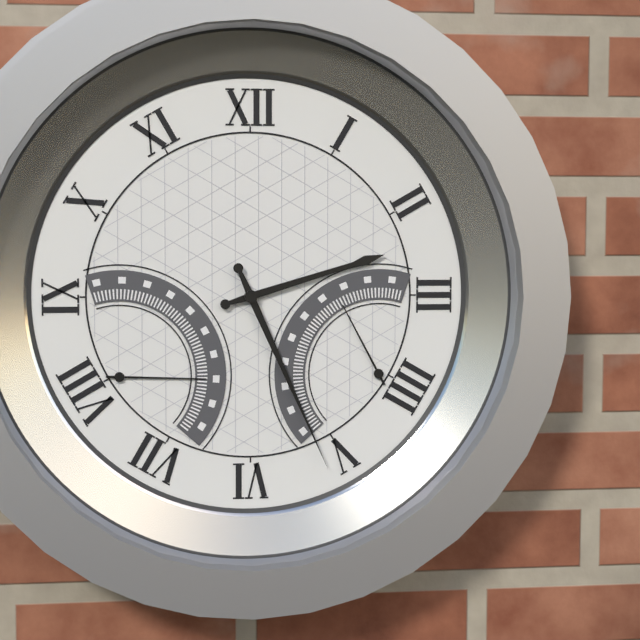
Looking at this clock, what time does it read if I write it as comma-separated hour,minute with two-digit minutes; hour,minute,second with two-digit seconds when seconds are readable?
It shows 2,26
